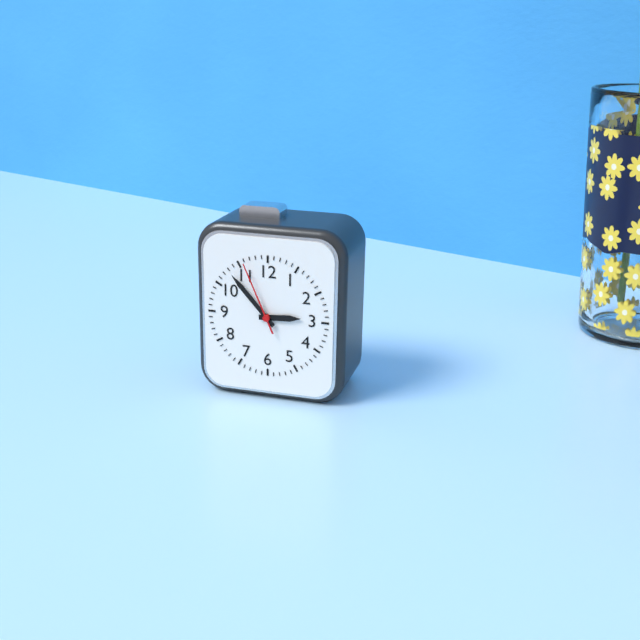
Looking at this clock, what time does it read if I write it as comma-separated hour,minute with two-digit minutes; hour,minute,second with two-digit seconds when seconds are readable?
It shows 2,53,56
